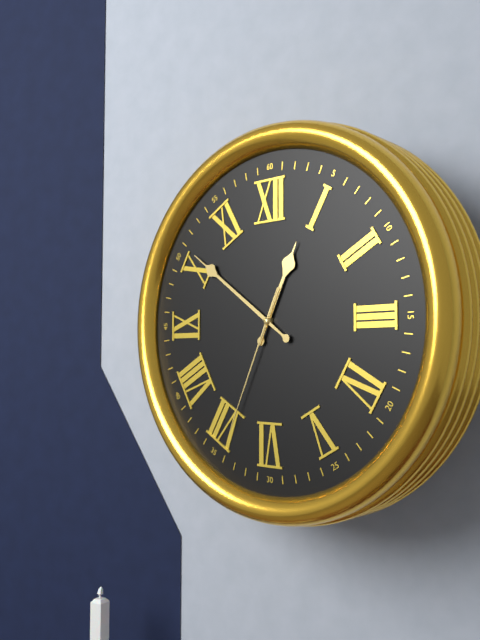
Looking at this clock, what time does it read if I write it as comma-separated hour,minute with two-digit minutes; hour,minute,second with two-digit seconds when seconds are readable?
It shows 12,51,34
